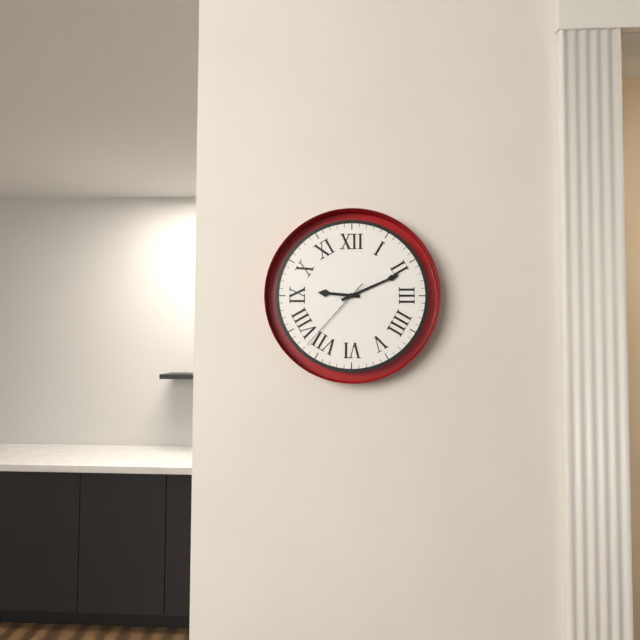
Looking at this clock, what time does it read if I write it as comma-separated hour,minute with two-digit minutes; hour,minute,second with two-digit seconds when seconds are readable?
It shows 9,11,37
